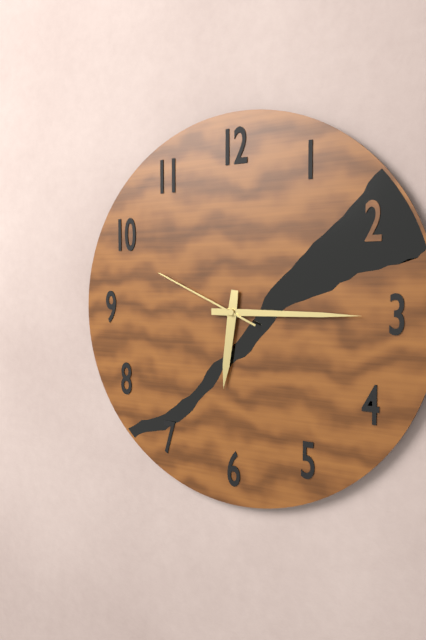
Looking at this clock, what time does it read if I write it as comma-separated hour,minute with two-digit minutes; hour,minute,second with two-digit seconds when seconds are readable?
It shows 6,15,49
